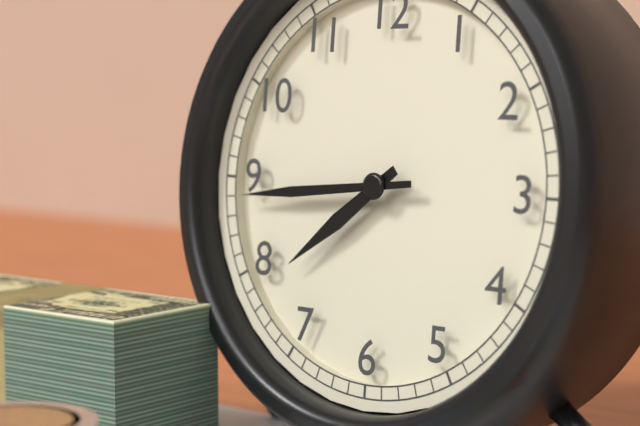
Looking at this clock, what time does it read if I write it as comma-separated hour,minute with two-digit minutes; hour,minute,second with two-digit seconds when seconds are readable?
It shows 7,44
